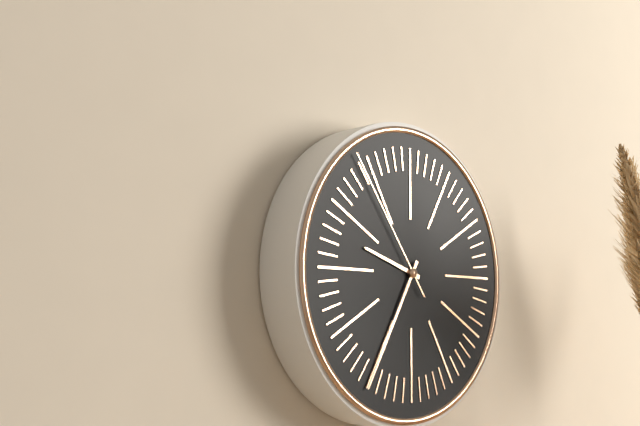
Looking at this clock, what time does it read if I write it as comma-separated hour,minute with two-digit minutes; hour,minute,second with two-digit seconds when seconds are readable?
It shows 9,35,54
